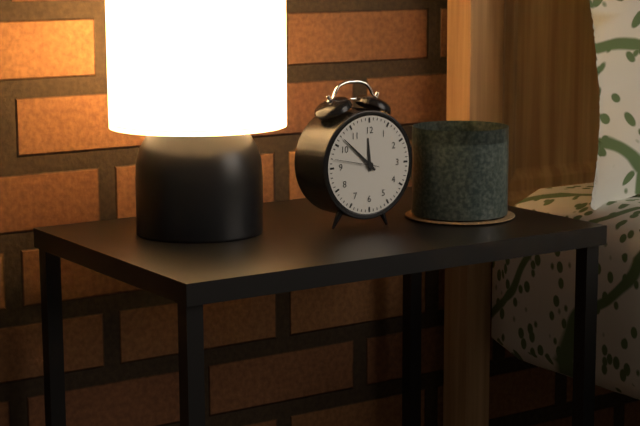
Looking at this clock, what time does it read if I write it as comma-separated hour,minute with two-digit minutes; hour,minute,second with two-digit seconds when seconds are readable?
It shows 11,52
